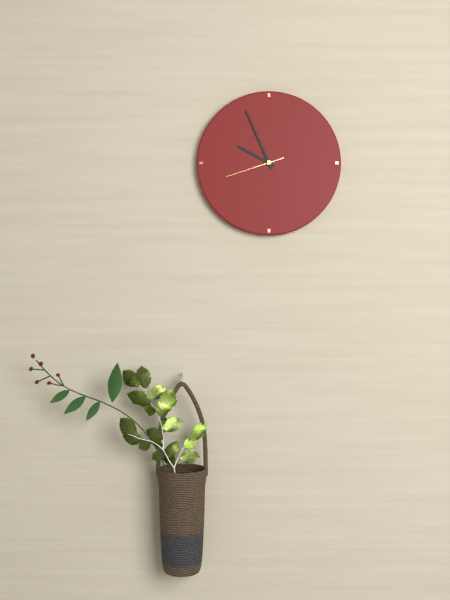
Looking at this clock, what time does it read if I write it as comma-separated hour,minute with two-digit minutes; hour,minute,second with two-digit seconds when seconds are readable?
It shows 9,56,42
